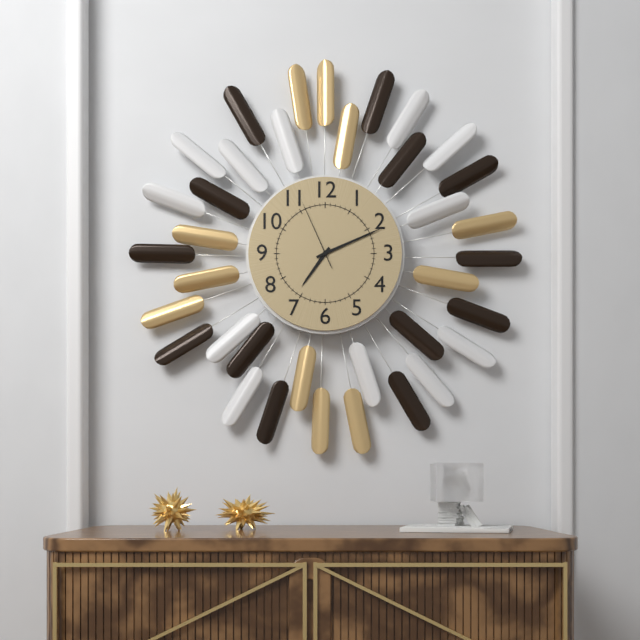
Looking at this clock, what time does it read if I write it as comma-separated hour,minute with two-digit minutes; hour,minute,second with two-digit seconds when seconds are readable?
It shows 7,11,56
